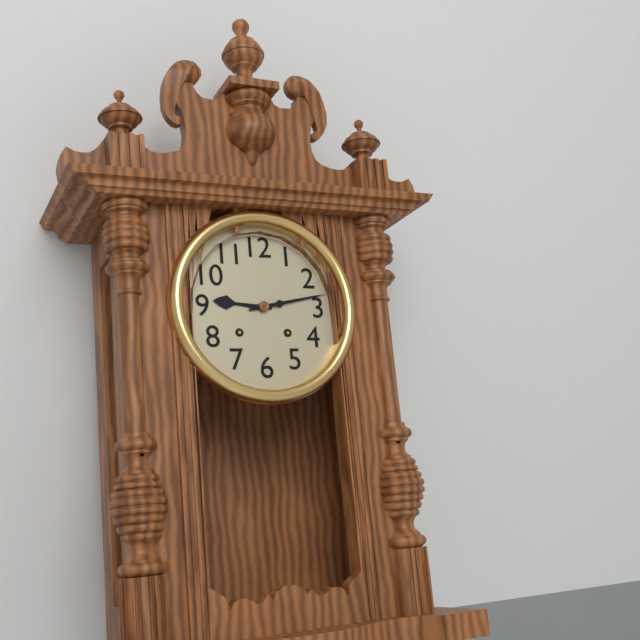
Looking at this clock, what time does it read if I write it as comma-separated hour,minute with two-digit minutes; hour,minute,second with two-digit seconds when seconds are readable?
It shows 9,13
